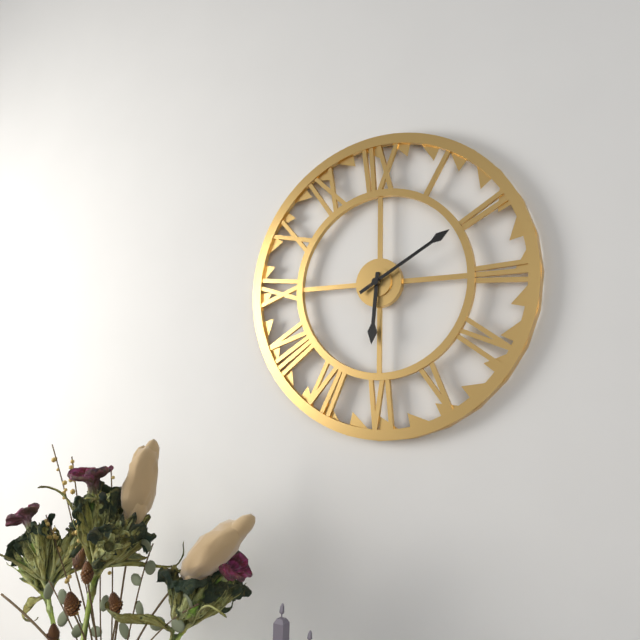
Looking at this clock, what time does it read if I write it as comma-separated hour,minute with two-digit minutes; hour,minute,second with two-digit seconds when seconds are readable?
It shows 6,10
